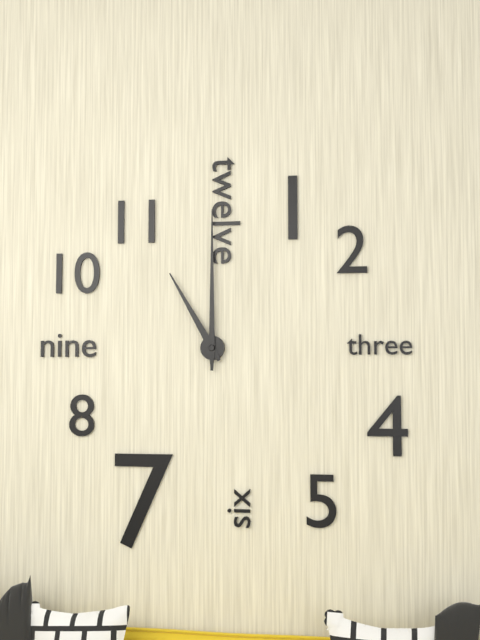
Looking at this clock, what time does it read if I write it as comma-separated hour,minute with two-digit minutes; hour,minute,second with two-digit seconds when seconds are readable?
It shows 11,00
